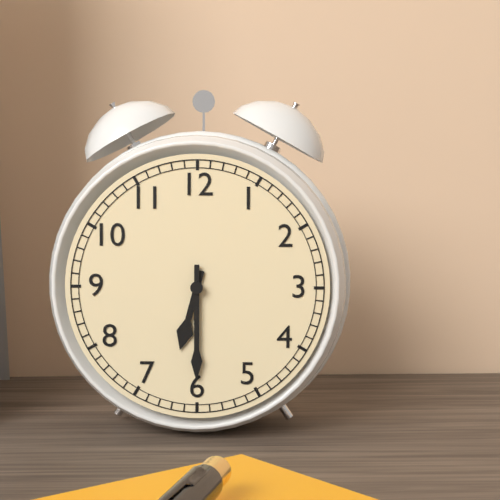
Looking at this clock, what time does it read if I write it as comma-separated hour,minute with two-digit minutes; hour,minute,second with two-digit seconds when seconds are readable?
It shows 6,30
